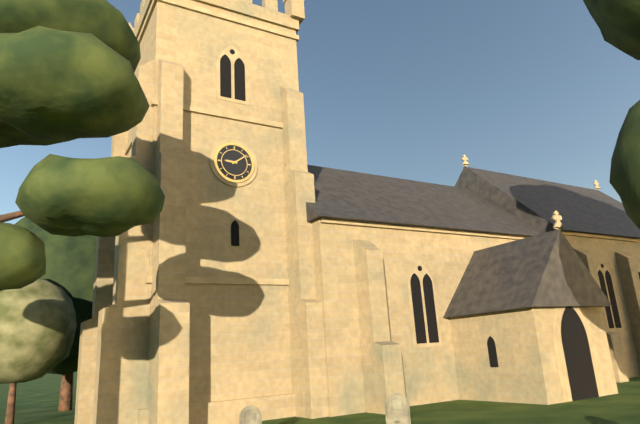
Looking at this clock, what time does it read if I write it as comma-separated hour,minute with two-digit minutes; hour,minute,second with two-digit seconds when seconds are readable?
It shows 9,09
